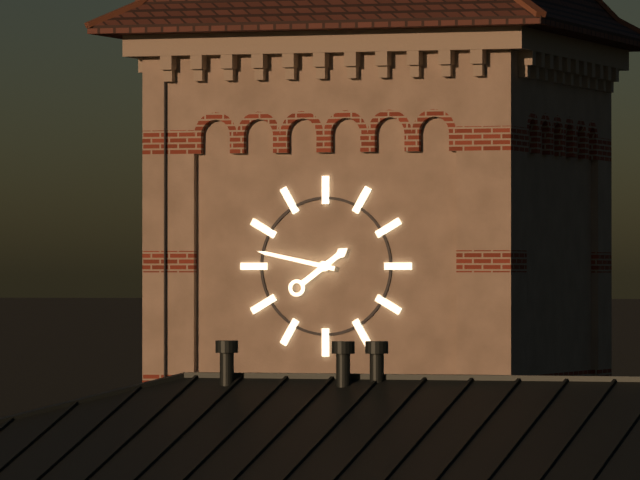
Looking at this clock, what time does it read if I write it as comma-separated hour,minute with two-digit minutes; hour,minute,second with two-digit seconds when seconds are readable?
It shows 1,47
